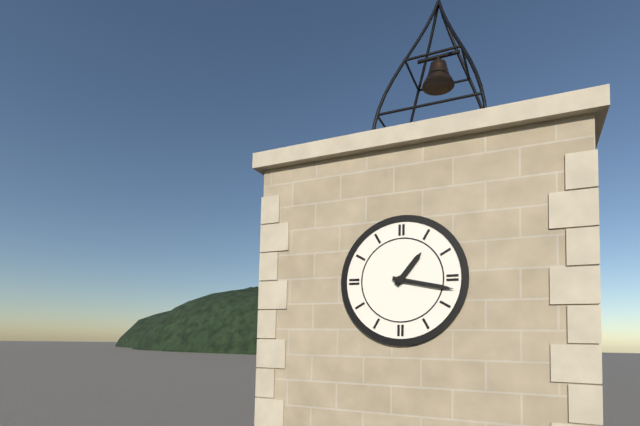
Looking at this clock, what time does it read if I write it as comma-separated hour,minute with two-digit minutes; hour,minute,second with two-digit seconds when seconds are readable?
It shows 1,17
